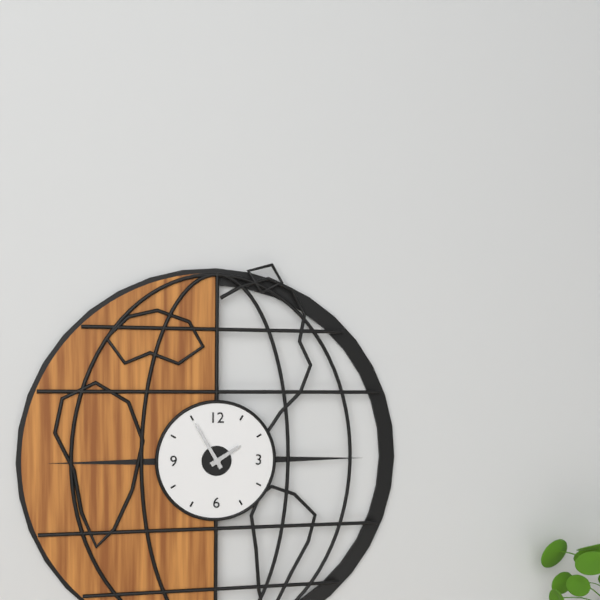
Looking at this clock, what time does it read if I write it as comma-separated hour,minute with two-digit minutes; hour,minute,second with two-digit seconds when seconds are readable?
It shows 1,55
